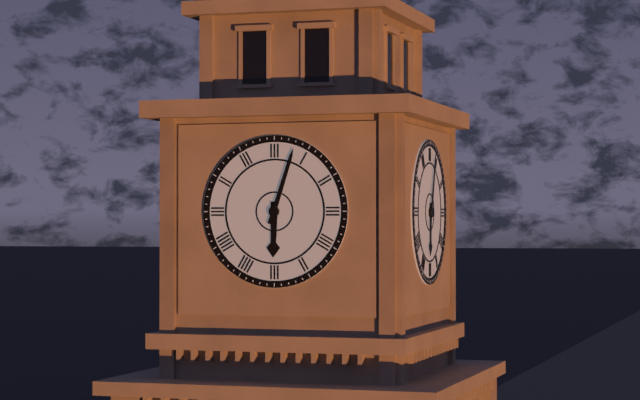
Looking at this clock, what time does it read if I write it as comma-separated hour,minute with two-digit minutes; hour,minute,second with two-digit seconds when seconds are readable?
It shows 6,03
